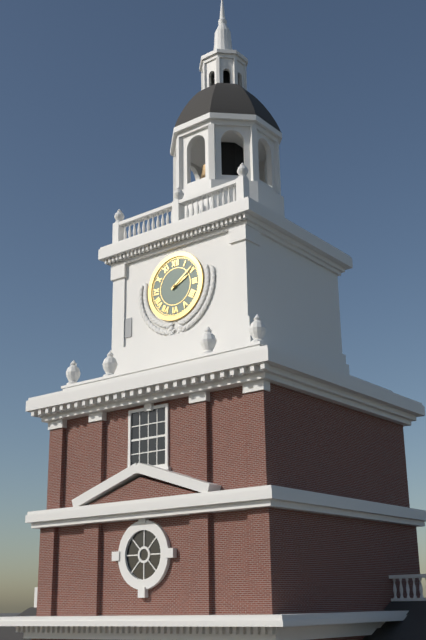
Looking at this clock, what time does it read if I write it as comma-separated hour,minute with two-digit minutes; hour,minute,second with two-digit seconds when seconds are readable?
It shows 2,09
